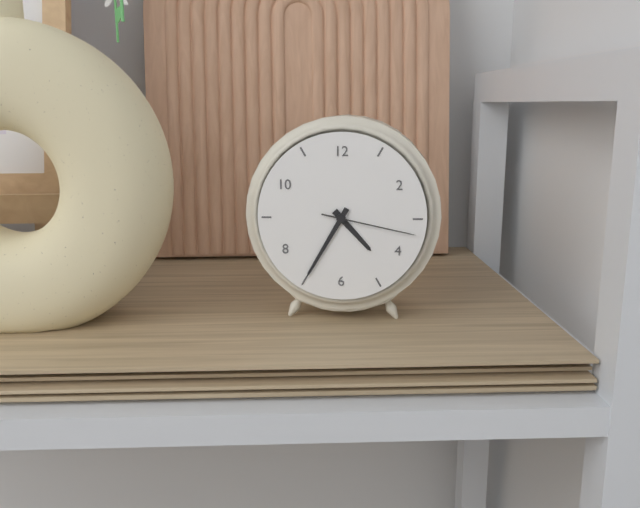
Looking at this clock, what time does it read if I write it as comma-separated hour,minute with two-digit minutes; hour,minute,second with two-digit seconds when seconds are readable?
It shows 4,35,17
